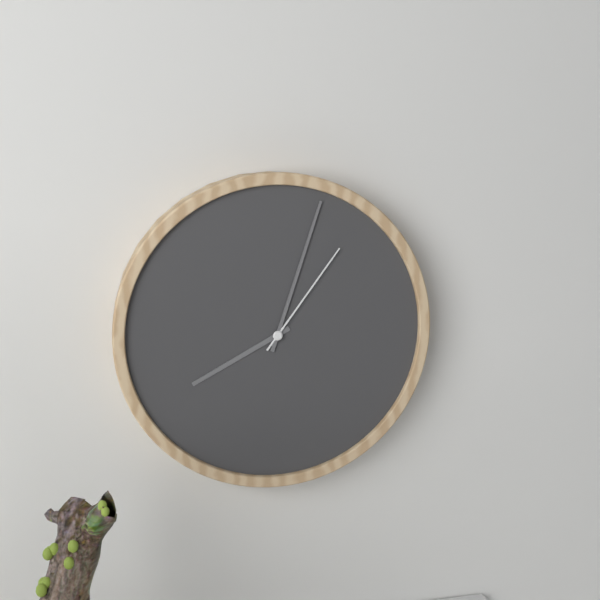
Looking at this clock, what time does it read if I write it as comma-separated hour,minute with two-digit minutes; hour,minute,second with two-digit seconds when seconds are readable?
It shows 8,03,06
